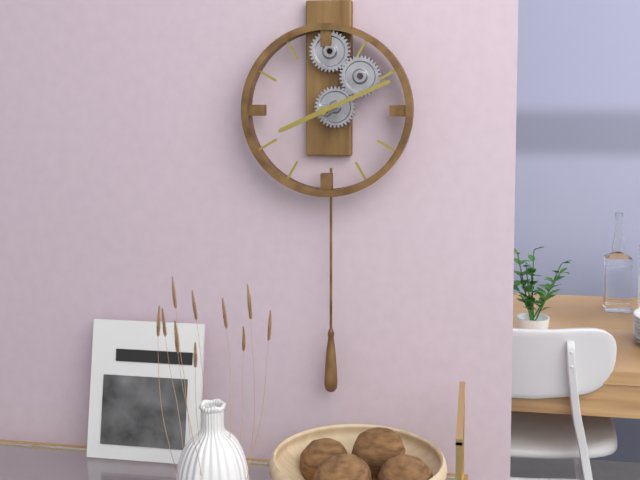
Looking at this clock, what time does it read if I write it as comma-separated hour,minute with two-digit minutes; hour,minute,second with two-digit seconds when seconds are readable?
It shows 8,11
